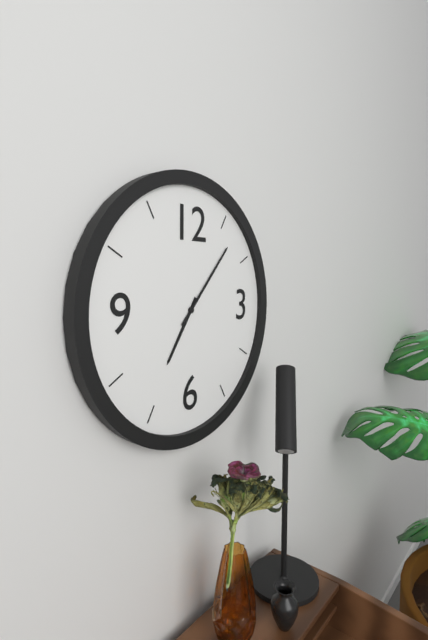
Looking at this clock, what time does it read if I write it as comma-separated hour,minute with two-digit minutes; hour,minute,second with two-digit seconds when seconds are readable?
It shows 7,07
